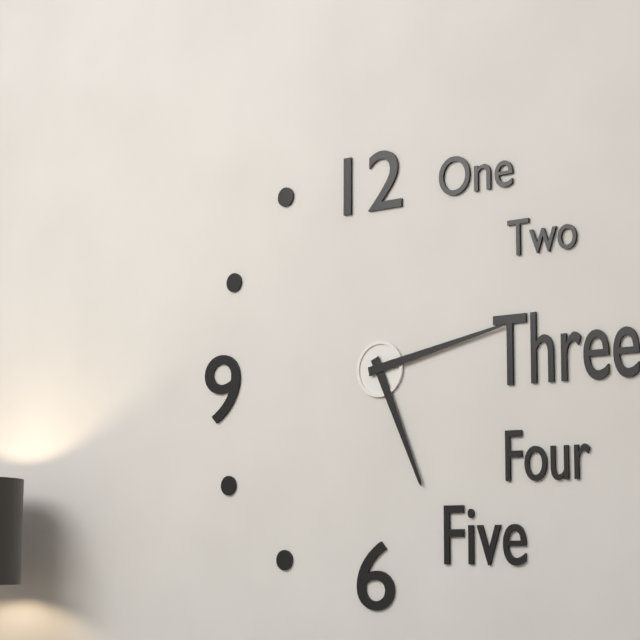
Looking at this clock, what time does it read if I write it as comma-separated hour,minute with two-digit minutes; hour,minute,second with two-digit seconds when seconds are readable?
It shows 5,13
